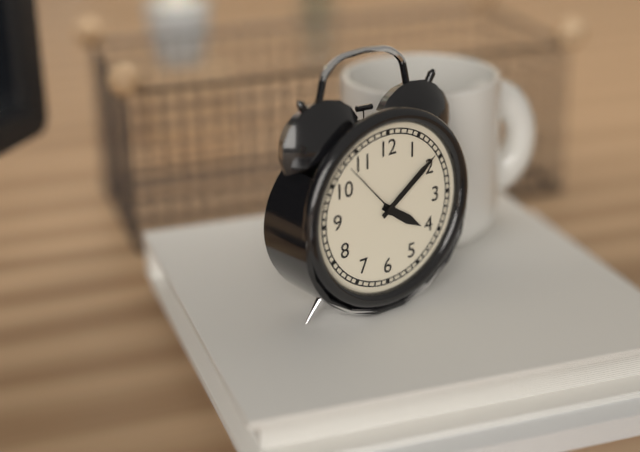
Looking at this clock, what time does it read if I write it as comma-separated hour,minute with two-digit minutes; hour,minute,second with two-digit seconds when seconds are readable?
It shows 4,09,53
